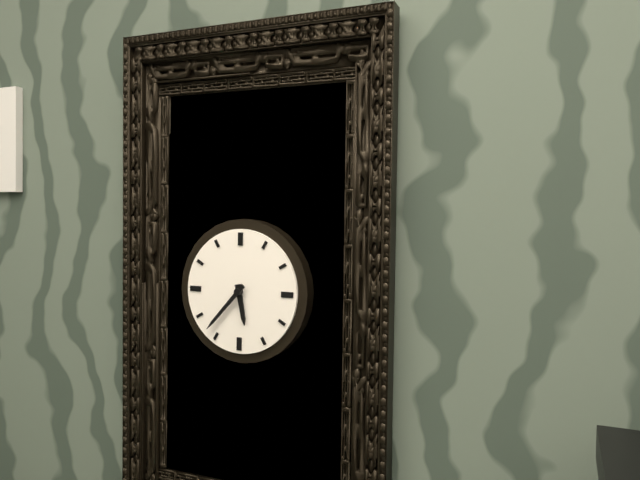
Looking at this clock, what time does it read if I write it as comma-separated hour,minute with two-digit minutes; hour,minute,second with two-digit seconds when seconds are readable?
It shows 5,37
